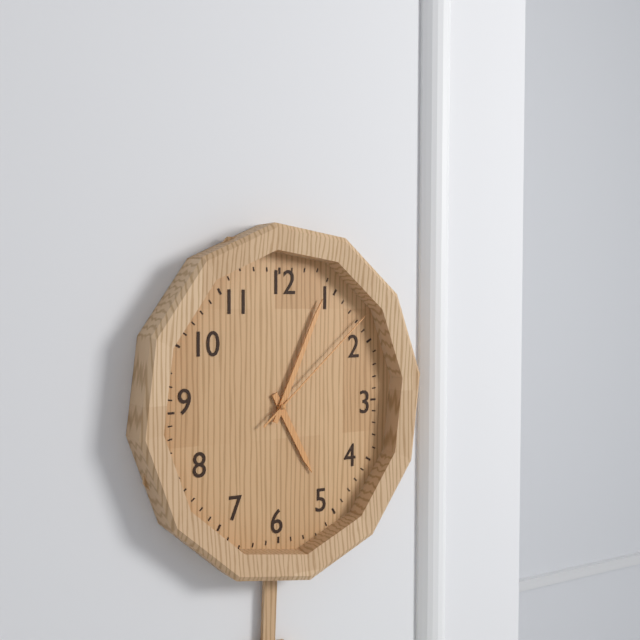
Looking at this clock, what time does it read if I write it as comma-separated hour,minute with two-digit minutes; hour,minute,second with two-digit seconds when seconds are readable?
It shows 5,04,08
